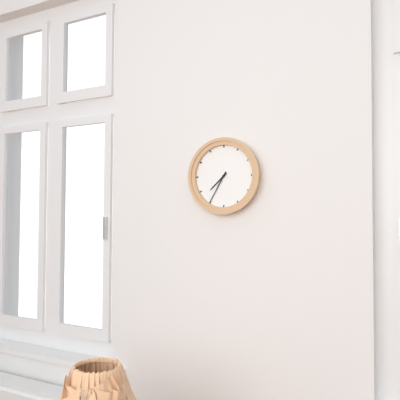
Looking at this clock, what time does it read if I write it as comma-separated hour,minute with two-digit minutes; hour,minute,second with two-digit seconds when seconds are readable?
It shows 7,35
